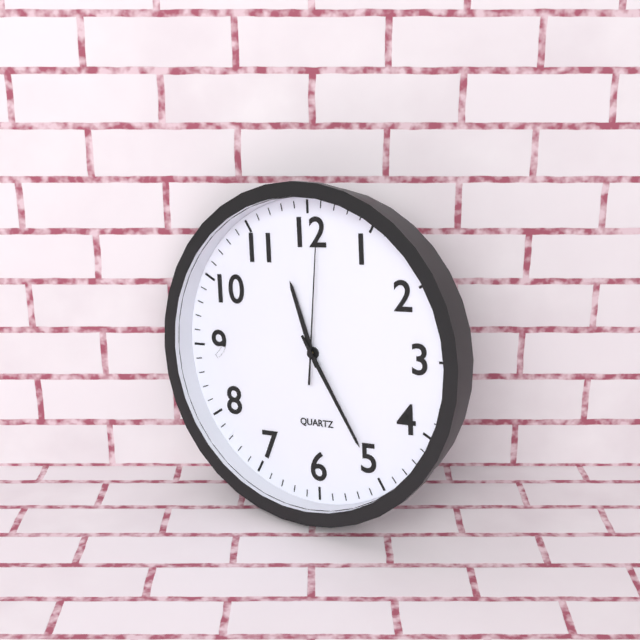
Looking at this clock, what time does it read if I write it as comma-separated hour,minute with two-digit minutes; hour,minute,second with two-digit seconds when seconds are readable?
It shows 11,25,01
